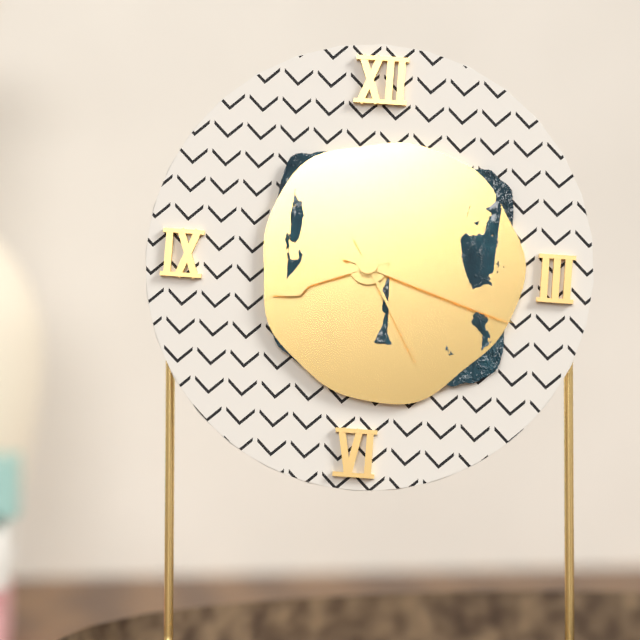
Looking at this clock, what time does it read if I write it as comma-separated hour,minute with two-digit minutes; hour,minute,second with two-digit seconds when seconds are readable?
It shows 8,18,25
